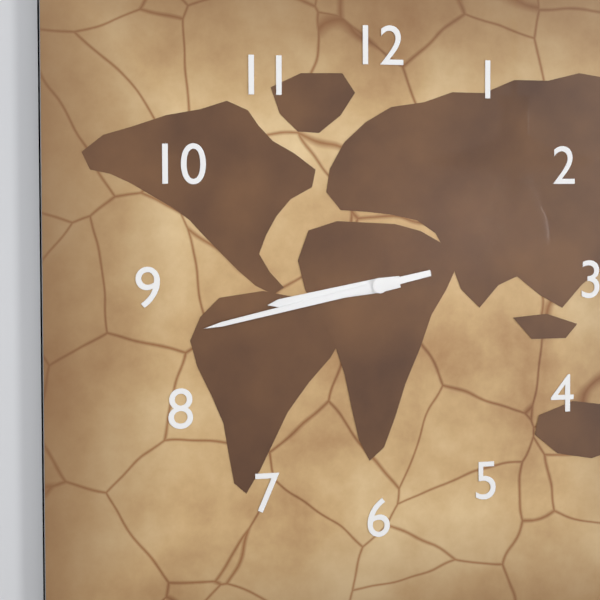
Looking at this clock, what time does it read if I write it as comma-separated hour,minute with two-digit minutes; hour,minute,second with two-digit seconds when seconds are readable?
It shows 8,43
